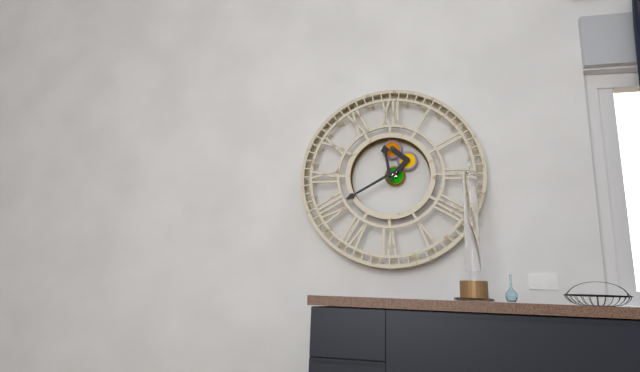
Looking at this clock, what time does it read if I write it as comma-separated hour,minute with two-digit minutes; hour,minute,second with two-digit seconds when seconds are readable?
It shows 11,40
